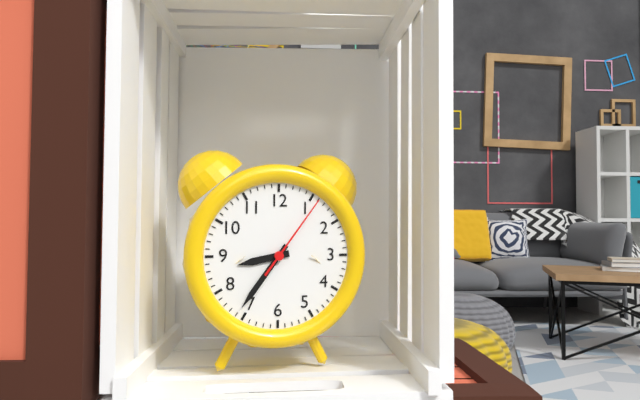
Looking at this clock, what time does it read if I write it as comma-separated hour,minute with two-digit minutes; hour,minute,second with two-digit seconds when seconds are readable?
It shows 8,36,06
